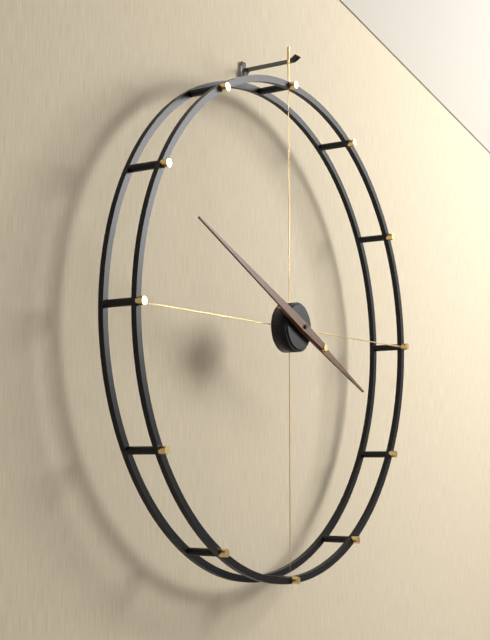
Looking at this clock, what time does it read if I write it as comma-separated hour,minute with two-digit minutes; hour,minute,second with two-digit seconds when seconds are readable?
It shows 3,49
